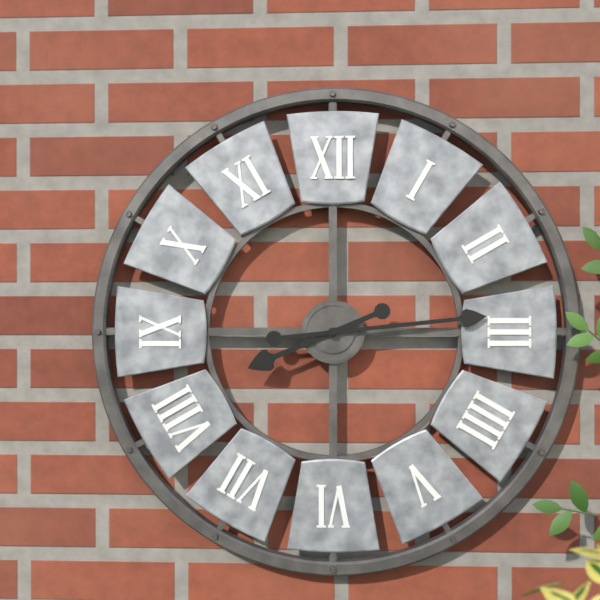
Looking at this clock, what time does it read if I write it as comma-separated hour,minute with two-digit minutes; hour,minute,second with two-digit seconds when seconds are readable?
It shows 8,14
